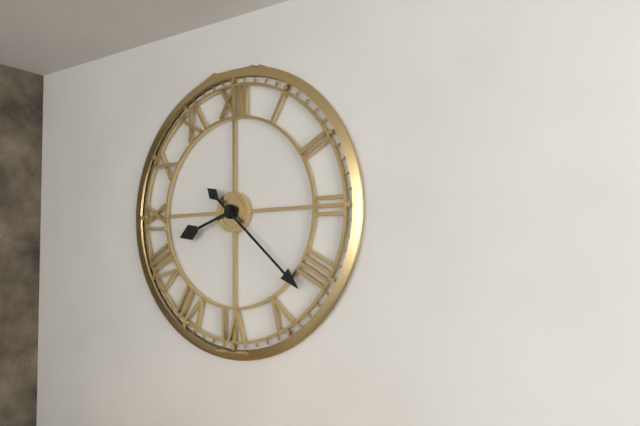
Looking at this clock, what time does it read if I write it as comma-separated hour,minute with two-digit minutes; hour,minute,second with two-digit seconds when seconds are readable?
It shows 8,22
